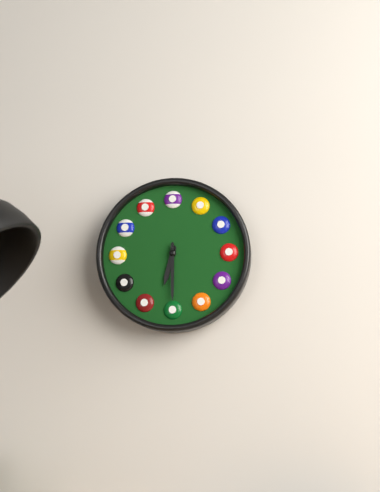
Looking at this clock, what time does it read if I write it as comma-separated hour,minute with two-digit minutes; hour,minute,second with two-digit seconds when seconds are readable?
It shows 6,30
